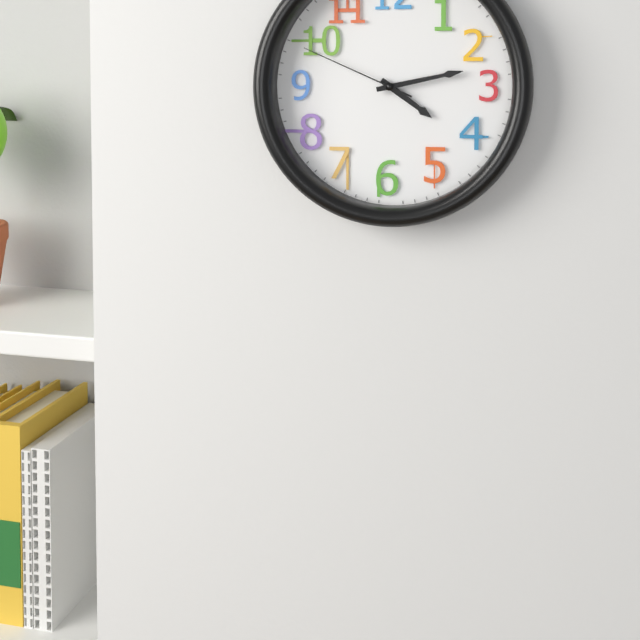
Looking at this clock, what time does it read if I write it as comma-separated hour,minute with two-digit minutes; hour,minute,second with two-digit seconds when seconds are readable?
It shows 4,13,49
